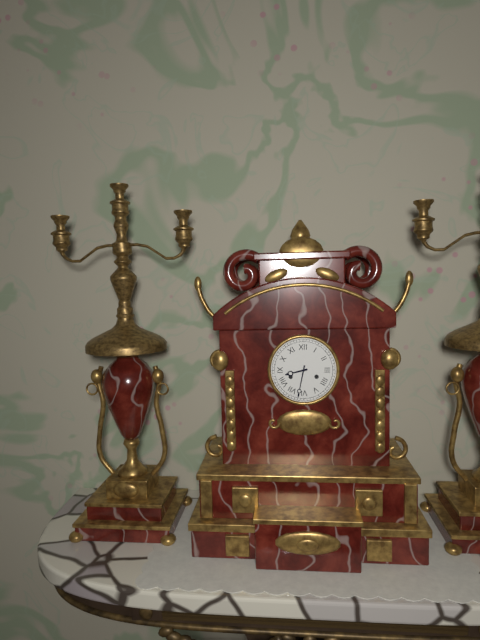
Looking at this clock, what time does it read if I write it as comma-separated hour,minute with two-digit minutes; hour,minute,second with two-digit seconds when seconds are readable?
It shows 8,32
